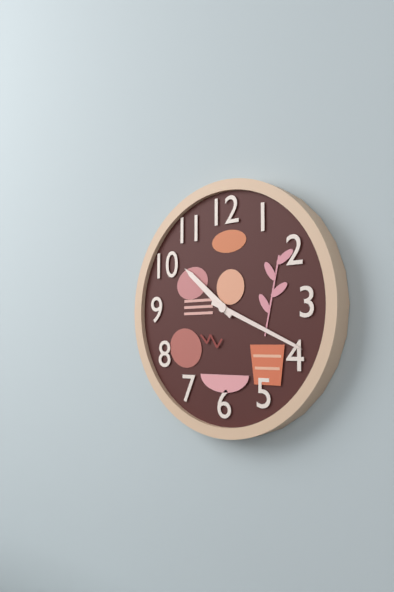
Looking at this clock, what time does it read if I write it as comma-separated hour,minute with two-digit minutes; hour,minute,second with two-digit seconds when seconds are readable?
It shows 10,19
